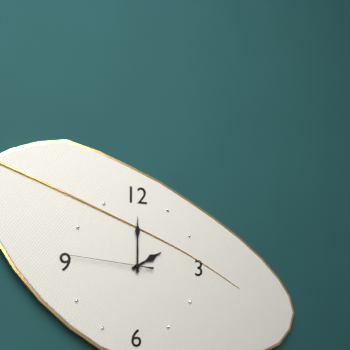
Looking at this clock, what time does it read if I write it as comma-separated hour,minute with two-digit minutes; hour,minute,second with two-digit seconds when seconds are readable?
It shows 2,00,46
